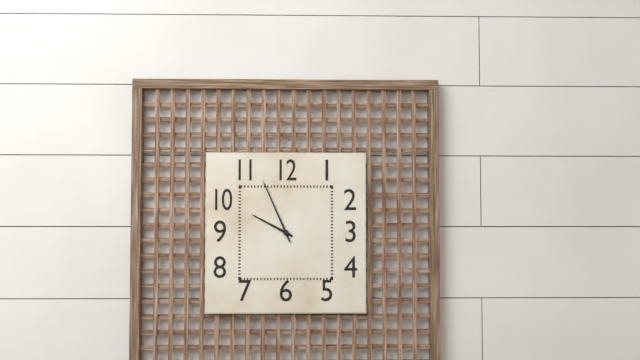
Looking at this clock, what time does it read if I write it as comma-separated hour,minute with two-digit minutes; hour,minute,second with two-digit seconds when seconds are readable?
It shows 9,56
